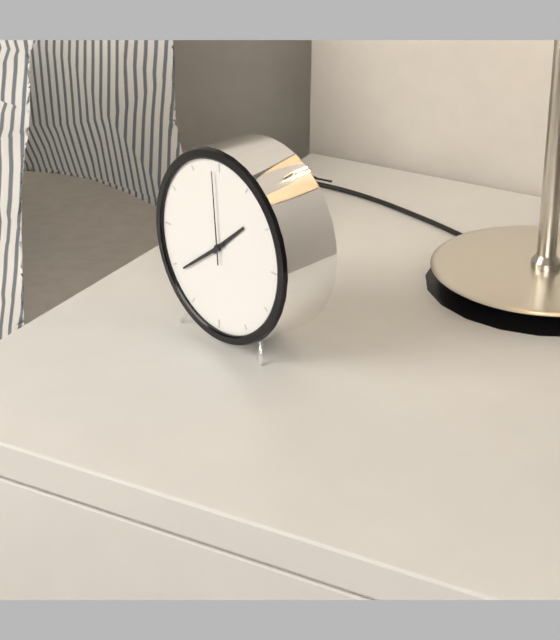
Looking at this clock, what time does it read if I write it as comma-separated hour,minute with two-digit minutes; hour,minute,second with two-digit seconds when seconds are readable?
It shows 1,39,59
